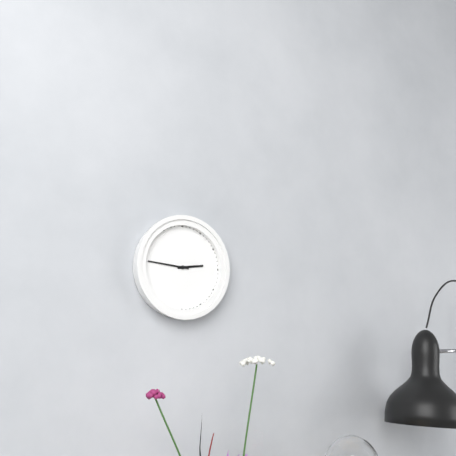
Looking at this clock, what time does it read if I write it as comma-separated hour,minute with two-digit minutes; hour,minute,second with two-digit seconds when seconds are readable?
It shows 2,46
